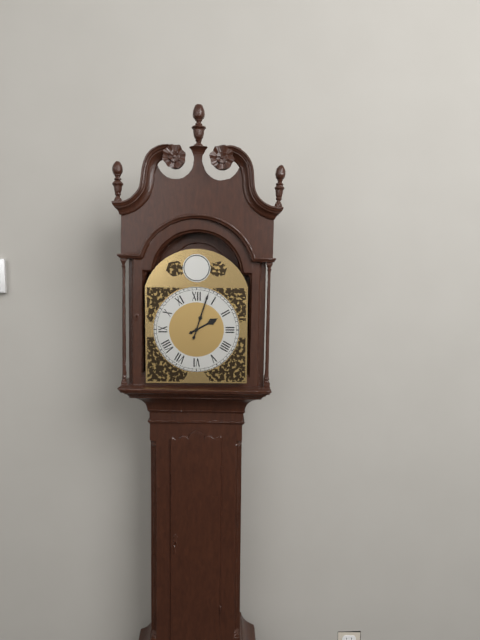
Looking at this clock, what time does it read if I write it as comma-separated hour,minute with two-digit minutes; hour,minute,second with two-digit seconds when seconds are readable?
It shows 2,03
